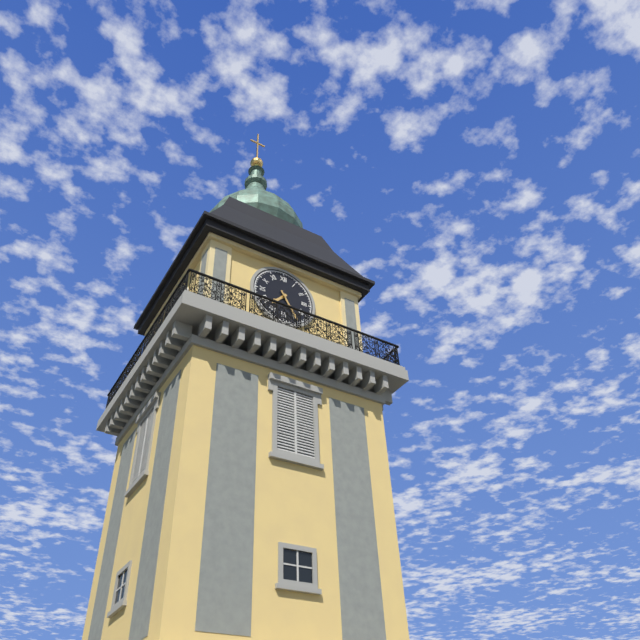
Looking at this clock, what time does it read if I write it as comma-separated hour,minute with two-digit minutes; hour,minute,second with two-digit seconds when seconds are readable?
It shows 7,25
